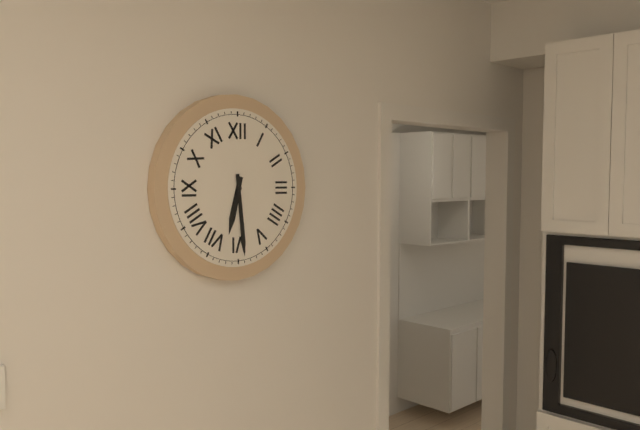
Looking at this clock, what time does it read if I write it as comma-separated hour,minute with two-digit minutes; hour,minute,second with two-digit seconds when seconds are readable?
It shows 6,29
